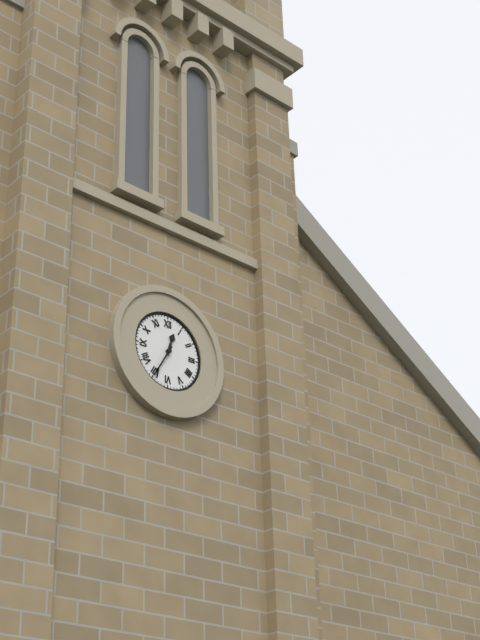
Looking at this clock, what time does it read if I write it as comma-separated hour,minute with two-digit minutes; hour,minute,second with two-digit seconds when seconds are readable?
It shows 12,35
